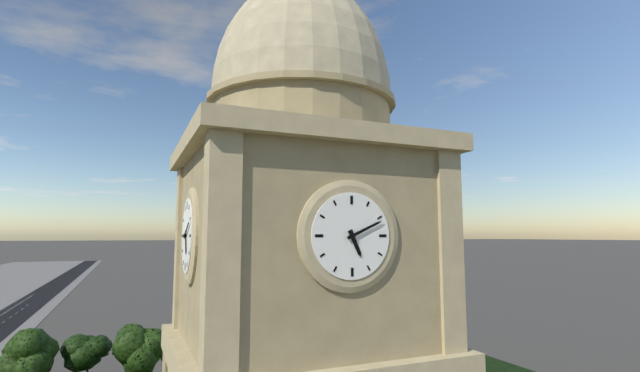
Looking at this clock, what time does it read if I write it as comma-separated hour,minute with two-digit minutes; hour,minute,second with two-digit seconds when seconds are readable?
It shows 5,11
